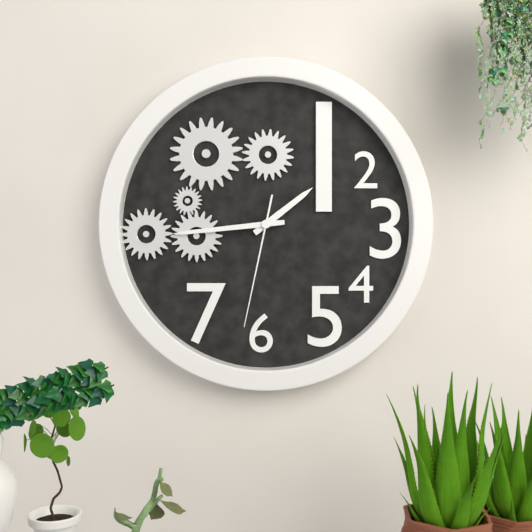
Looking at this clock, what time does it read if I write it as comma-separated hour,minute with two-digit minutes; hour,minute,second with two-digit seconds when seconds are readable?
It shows 1,44,32
